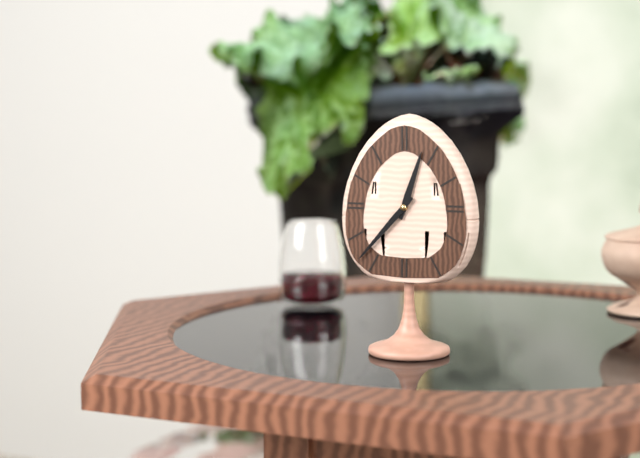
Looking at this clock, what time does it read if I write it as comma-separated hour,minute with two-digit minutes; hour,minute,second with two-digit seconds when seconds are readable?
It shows 12,37
